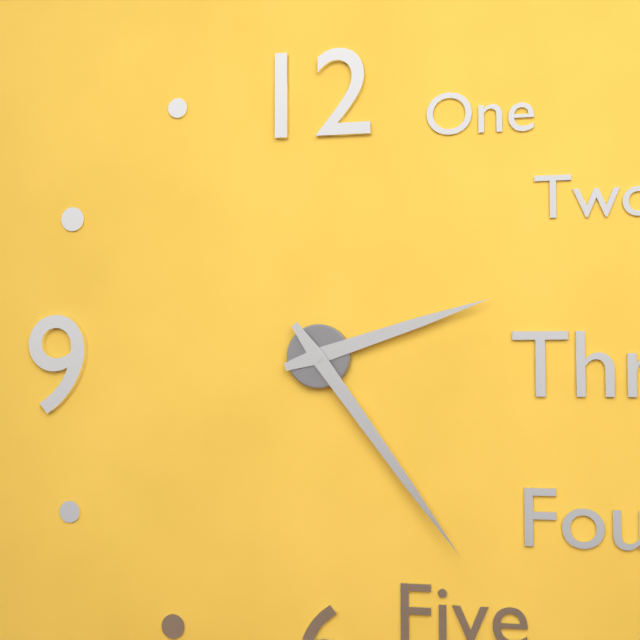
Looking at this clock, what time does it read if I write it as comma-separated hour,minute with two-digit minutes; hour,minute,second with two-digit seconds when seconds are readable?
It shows 2,24
